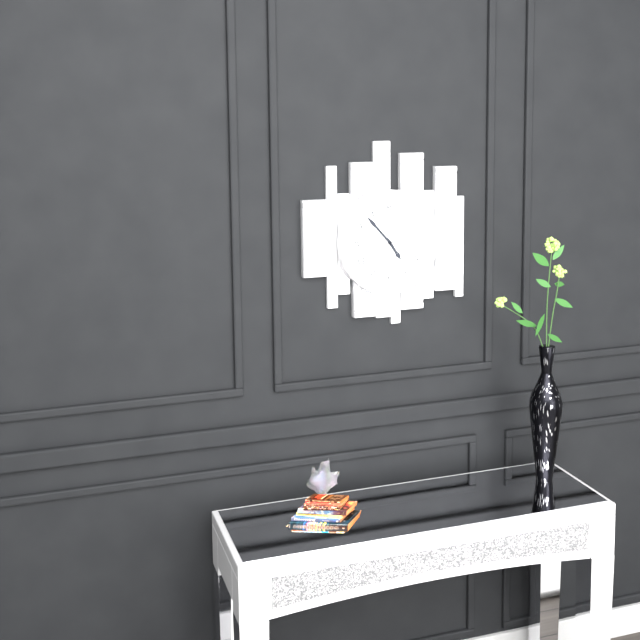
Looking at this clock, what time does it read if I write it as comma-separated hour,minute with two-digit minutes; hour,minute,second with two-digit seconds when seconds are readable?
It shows 4,53
